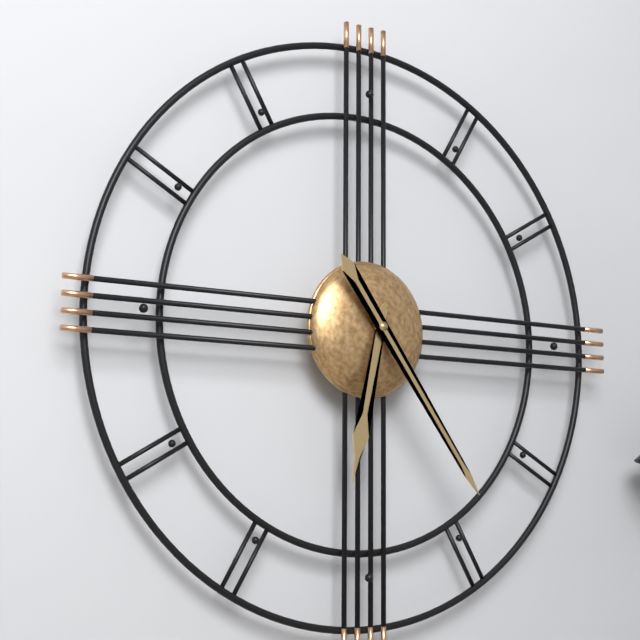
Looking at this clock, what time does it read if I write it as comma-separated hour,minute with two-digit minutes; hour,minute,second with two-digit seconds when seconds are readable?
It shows 6,24
